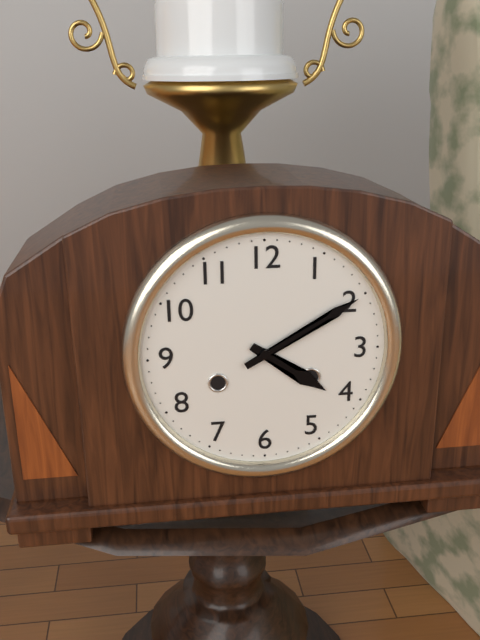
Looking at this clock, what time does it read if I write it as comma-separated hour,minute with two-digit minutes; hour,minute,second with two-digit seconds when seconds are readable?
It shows 4,10
